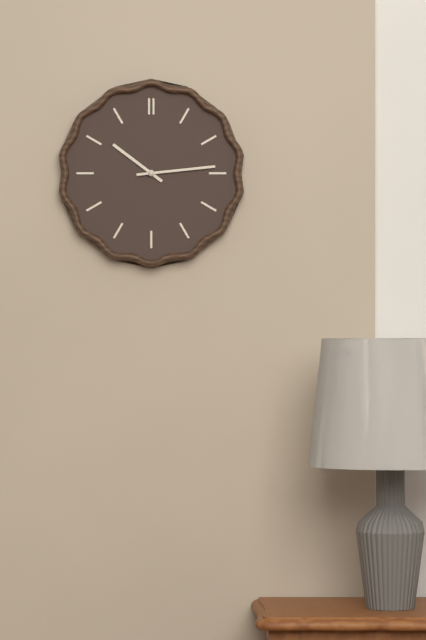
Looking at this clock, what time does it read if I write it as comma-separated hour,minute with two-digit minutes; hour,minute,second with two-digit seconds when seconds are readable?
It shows 10,14
